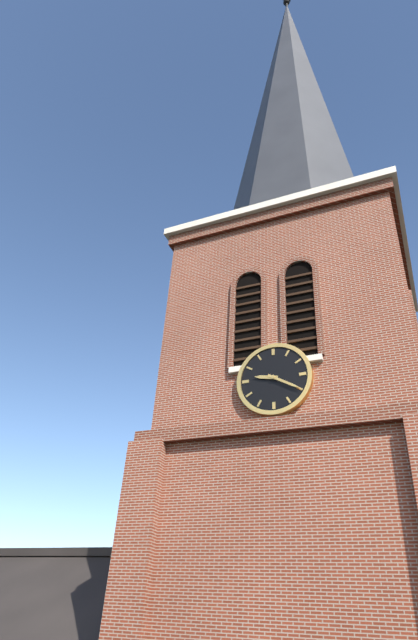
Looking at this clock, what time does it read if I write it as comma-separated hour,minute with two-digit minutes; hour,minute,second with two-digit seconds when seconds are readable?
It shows 9,20
